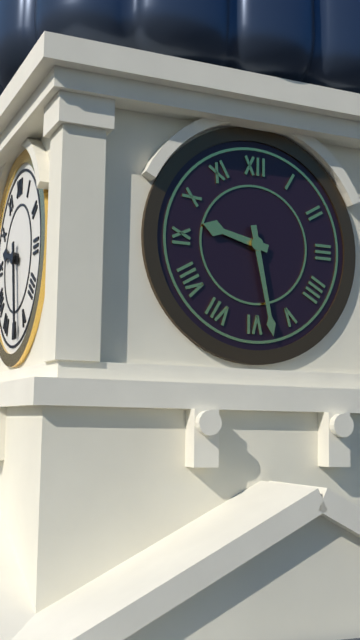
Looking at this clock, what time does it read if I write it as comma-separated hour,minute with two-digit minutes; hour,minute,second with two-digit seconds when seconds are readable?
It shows 9,28
